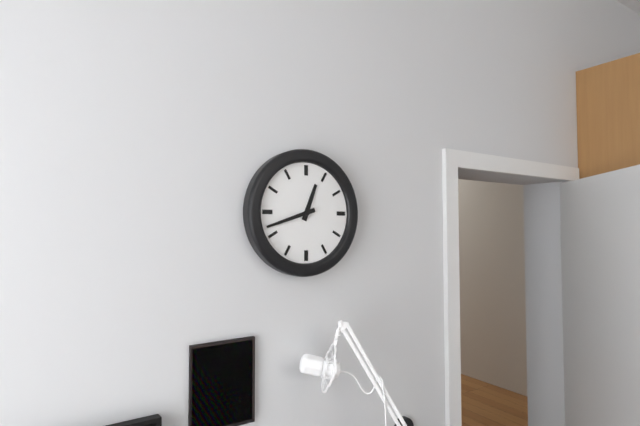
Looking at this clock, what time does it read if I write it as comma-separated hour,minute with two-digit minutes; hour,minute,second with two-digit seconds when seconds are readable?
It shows 12,42
